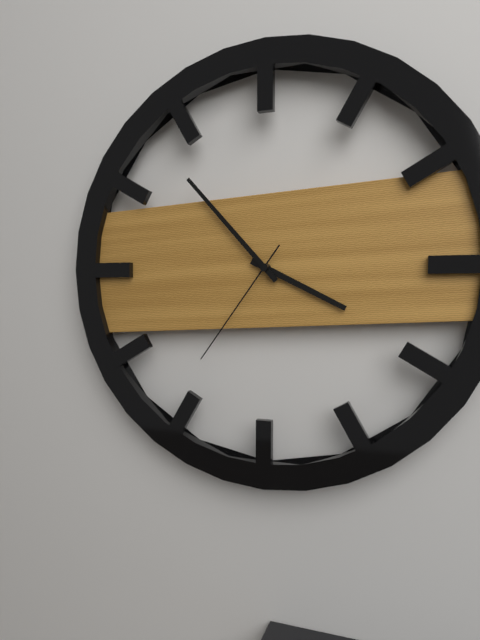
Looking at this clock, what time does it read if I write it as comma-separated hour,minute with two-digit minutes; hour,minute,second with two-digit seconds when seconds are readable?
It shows 3,53,36
